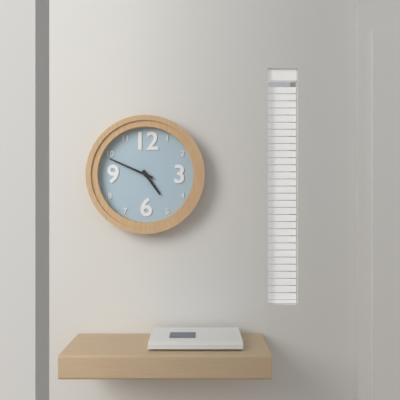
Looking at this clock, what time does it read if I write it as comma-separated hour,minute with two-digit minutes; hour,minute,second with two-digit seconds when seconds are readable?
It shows 4,49
